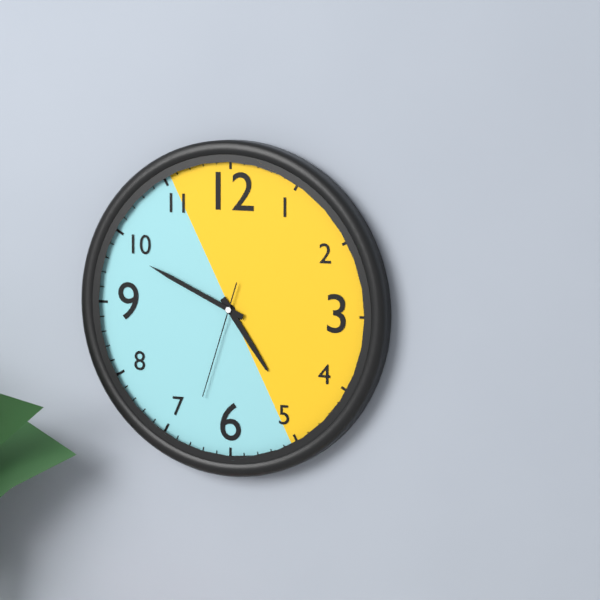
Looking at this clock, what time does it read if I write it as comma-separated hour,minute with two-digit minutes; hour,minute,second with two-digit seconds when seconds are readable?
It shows 4,49,33
